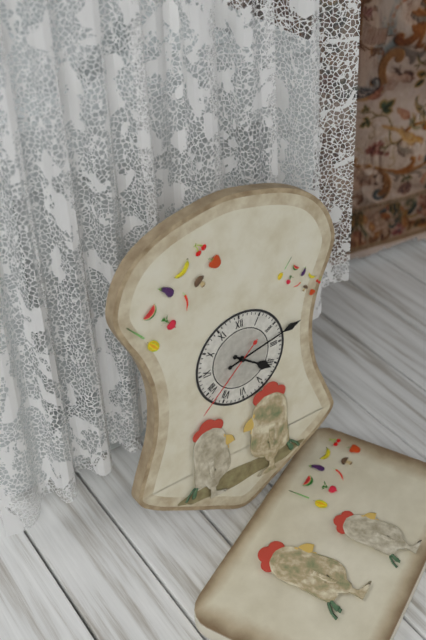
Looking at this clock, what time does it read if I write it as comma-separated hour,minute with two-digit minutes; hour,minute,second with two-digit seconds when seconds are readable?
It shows 4,13,38
